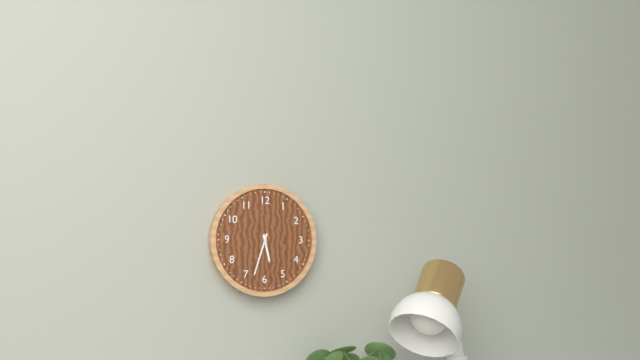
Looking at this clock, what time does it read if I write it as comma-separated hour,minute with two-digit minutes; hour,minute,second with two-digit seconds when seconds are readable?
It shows 5,33
